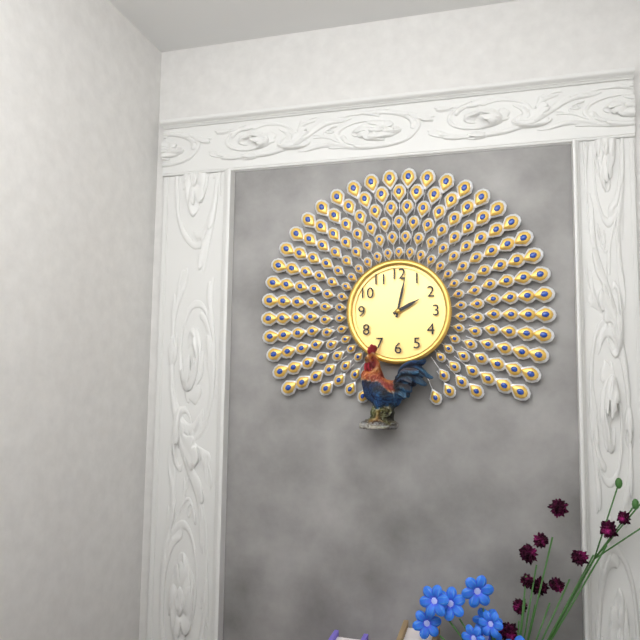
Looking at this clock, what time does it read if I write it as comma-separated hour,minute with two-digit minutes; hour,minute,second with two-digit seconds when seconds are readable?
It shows 2,02
